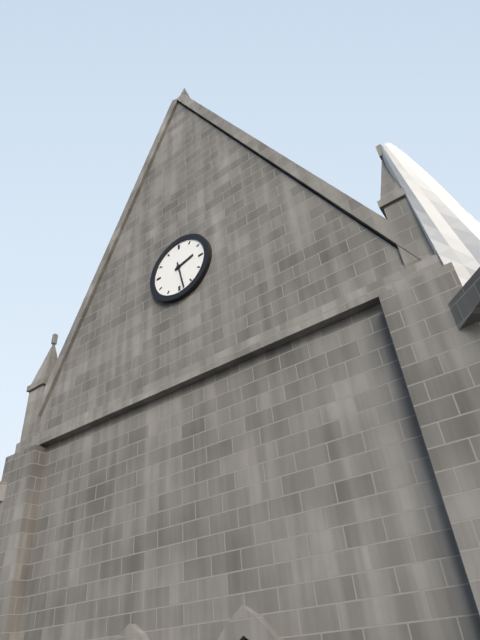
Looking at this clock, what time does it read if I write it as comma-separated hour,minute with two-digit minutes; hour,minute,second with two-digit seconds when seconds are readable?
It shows 2,28
